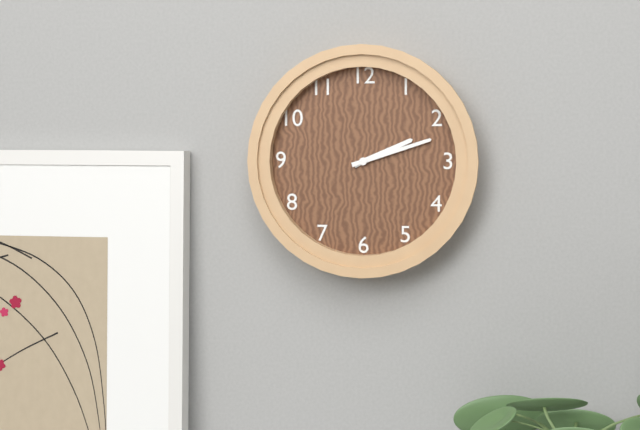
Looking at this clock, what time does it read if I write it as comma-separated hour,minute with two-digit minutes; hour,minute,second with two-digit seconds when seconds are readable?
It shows 2,12
